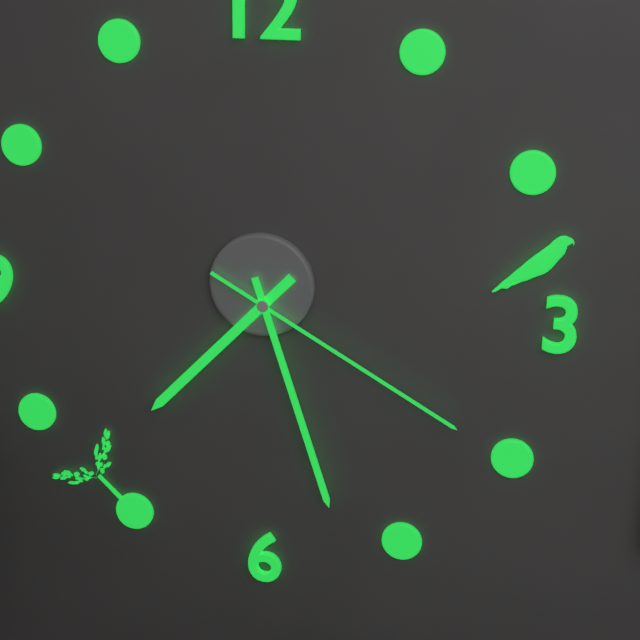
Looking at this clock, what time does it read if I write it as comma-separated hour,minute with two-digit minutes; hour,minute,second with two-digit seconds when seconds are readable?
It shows 7,27,20
